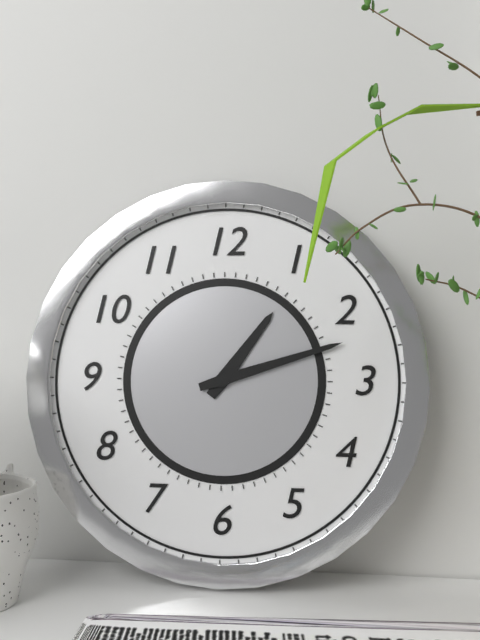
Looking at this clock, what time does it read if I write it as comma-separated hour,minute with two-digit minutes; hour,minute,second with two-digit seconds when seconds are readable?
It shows 1,12
